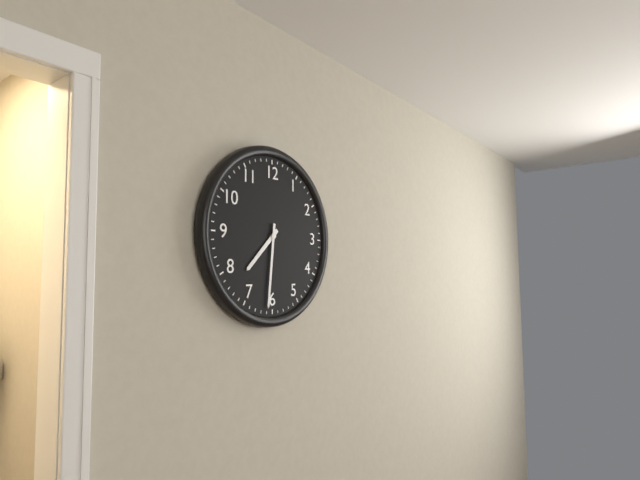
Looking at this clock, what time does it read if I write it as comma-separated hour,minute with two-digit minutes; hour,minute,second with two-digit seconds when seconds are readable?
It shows 7,31
